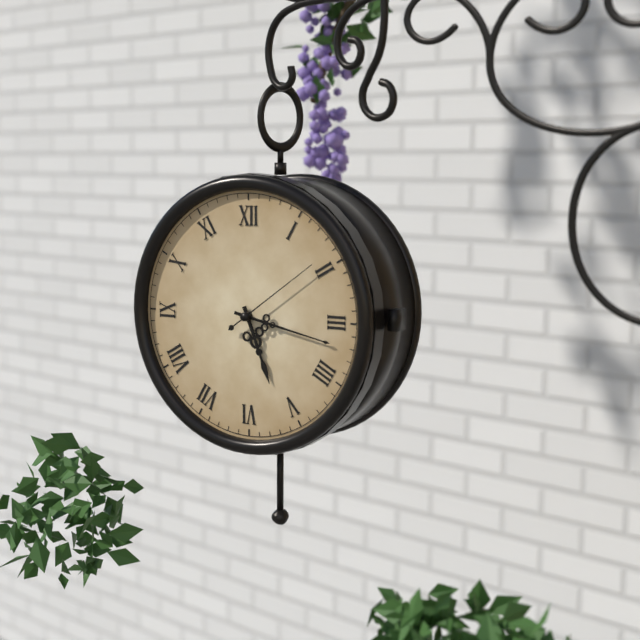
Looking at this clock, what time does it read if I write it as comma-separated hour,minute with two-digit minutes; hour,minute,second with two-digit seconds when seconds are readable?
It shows 5,17,09
